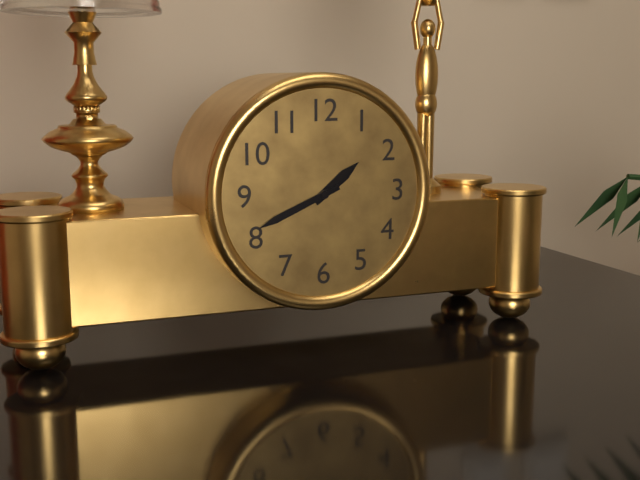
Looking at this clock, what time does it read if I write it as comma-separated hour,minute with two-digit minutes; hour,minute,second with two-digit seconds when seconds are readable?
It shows 1,41
